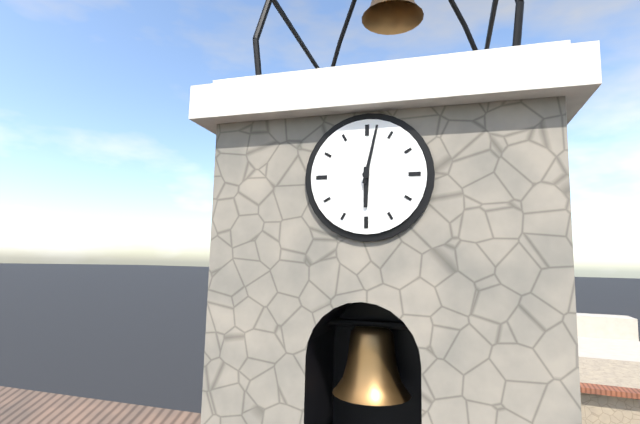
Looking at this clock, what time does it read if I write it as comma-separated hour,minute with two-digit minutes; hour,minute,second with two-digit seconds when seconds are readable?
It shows 6,02
